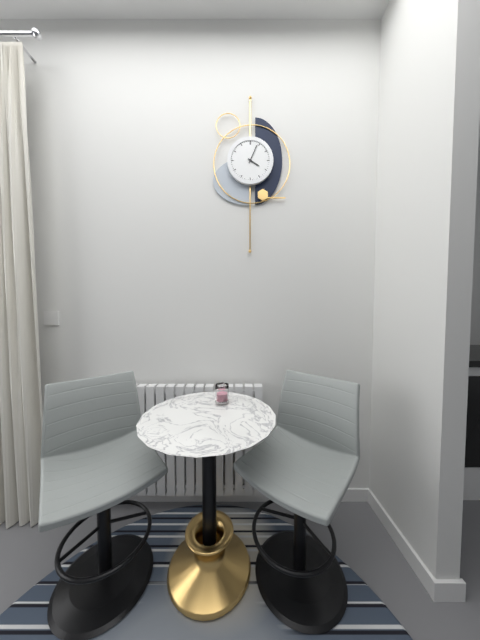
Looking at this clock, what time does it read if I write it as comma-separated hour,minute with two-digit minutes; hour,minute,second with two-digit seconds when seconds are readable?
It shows 4,04
